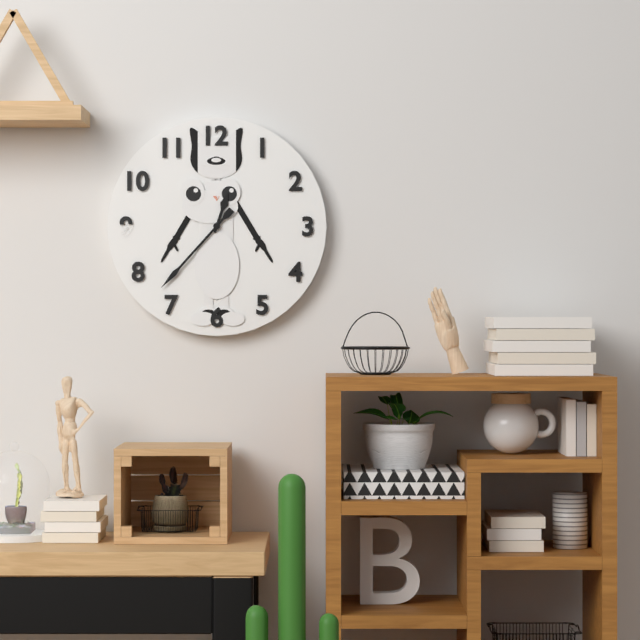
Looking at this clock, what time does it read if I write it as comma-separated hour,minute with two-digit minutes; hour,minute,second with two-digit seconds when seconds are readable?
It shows 12,37
